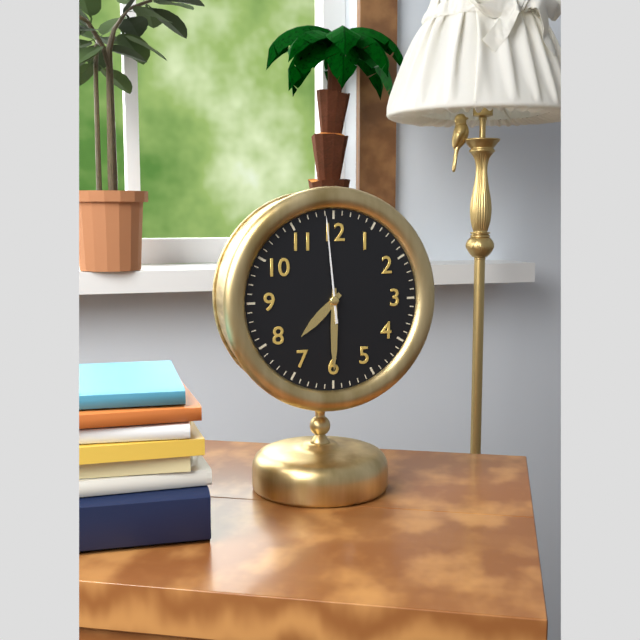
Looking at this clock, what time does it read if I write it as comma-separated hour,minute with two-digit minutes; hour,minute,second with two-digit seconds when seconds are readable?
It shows 7,30,59
